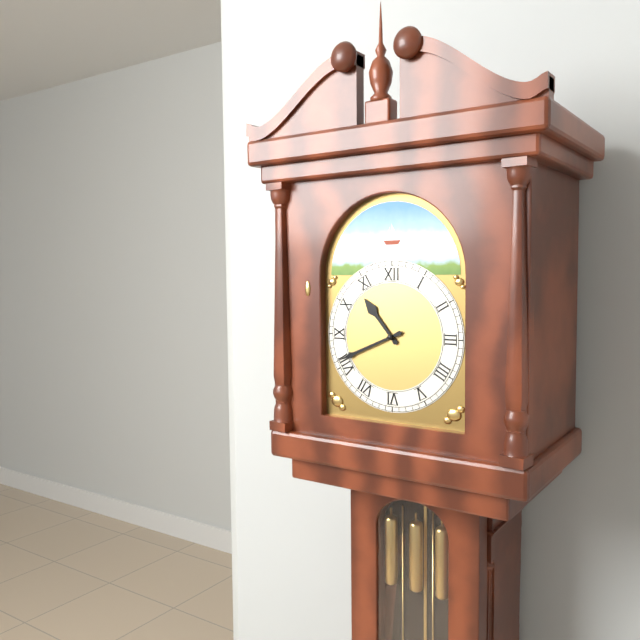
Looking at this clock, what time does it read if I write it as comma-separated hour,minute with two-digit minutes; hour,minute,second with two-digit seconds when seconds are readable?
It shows 10,41
